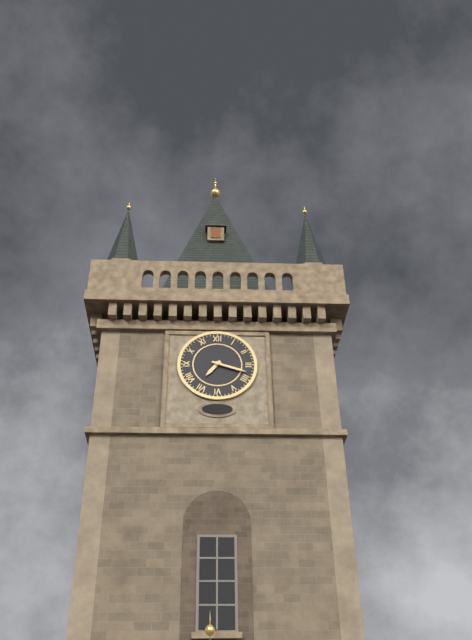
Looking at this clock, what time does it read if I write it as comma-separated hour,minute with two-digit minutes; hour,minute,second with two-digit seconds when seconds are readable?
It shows 7,18
